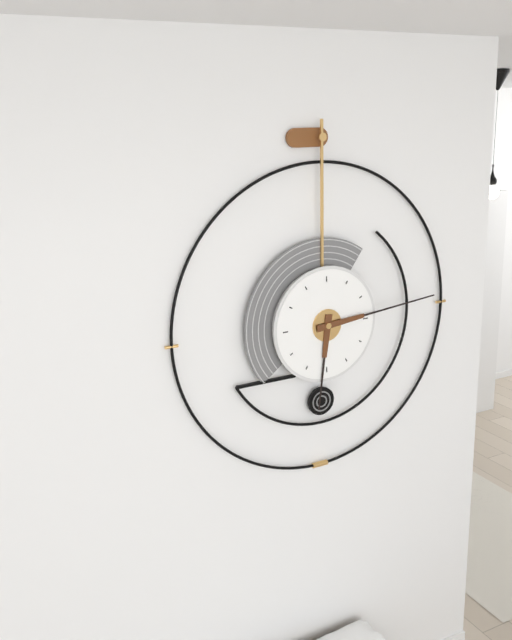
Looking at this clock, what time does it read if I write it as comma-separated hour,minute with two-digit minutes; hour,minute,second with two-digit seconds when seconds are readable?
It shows 6,14
